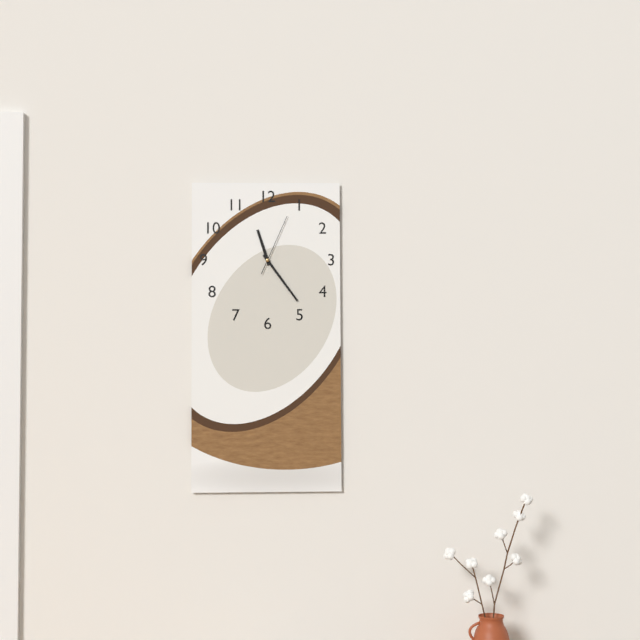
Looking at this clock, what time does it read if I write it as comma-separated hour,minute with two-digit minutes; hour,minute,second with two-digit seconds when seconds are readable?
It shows 11,24,04
